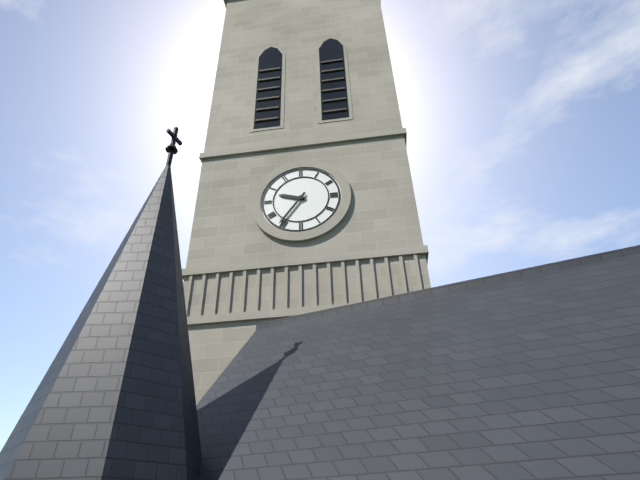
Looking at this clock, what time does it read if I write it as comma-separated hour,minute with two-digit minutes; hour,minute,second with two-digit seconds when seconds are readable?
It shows 9,36
